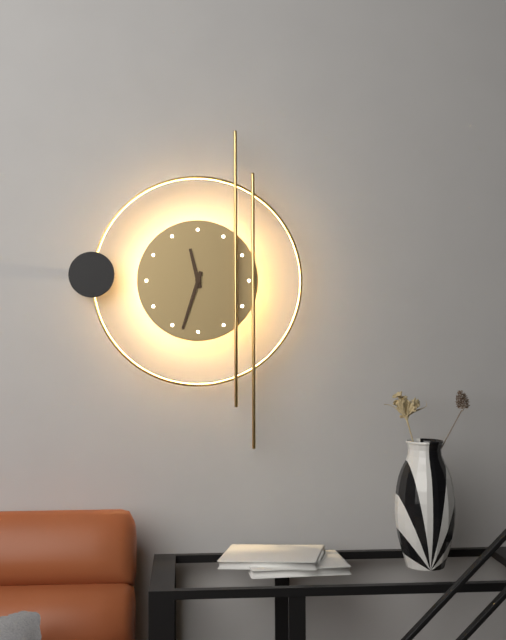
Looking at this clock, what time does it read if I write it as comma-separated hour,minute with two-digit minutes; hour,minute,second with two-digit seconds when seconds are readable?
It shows 11,33
